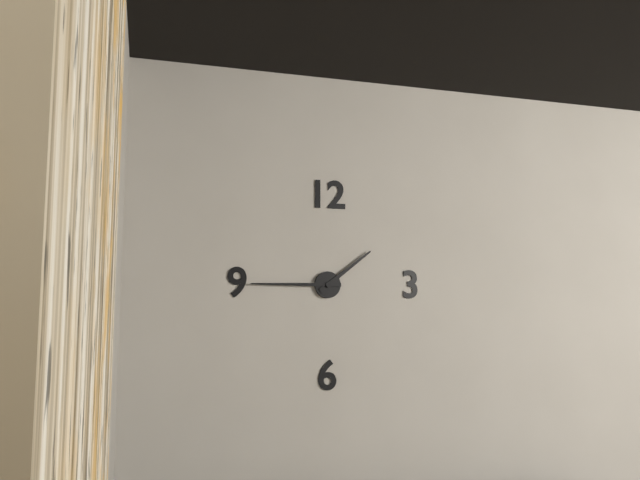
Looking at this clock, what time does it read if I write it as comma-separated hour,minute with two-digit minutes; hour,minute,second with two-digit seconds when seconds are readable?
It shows 1,45
